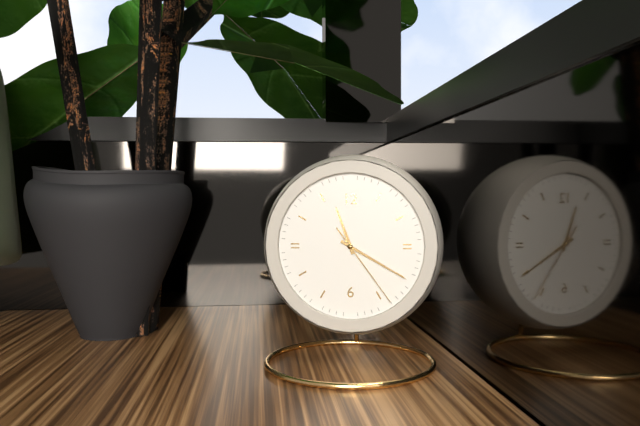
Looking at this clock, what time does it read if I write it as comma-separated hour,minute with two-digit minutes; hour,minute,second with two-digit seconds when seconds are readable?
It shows 11,20,24
